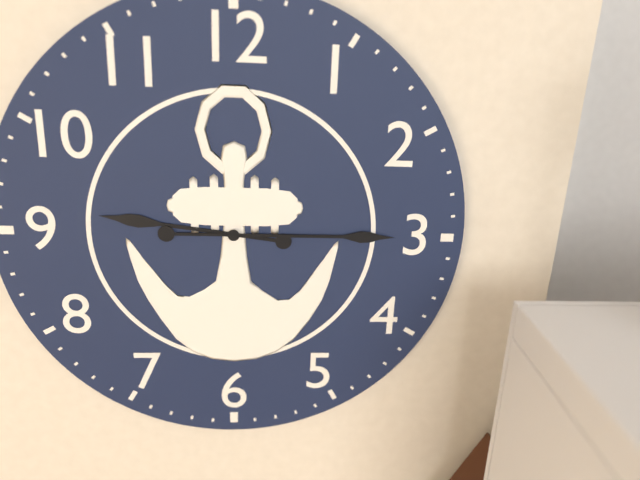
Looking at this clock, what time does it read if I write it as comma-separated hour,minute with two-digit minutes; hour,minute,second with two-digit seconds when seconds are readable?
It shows 9,15
